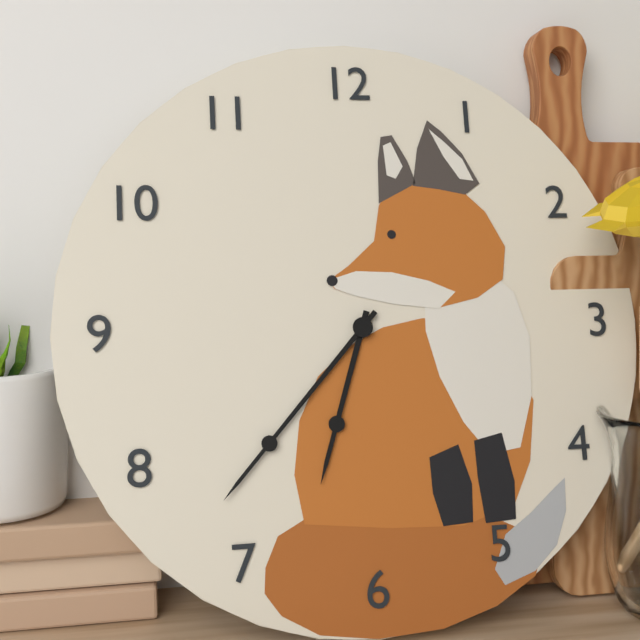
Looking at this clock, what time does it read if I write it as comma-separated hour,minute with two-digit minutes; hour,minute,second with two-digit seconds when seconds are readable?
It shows 6,37
